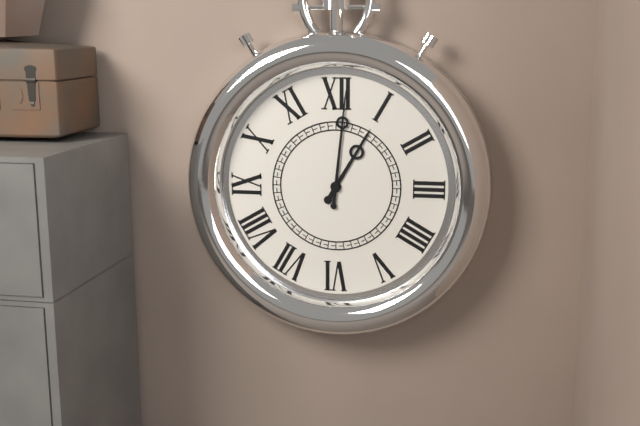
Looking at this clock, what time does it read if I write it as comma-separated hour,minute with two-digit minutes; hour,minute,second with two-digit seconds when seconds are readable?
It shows 1,01
